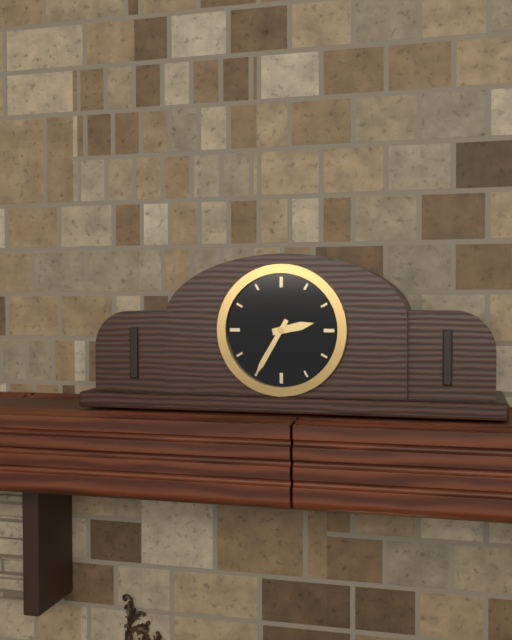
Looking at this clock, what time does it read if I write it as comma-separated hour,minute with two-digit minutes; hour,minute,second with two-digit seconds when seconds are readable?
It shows 2,35
